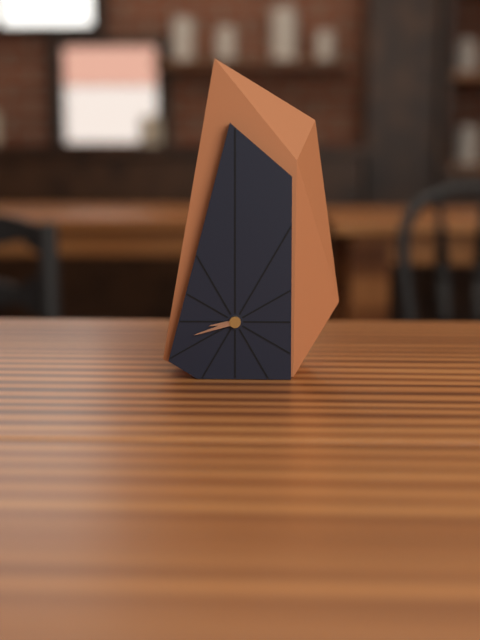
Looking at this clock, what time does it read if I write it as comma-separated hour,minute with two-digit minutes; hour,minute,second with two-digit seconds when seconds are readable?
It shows 8,42
